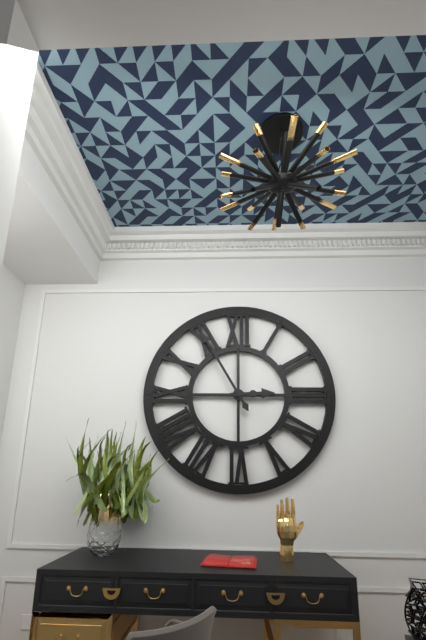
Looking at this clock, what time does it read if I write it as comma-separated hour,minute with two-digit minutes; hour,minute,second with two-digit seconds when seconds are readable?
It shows 2,55
